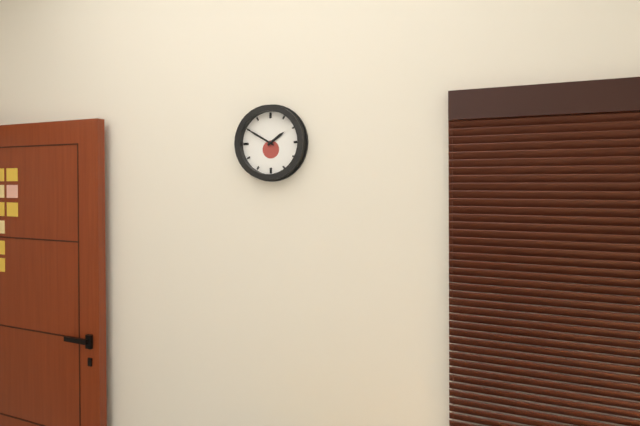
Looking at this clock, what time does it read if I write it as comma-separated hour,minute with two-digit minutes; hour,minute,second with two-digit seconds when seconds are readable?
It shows 1,50
